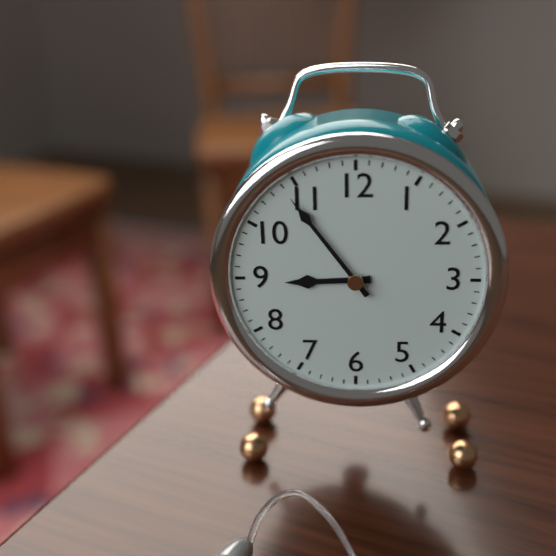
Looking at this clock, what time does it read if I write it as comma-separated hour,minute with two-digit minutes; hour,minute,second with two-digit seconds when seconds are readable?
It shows 8,54
